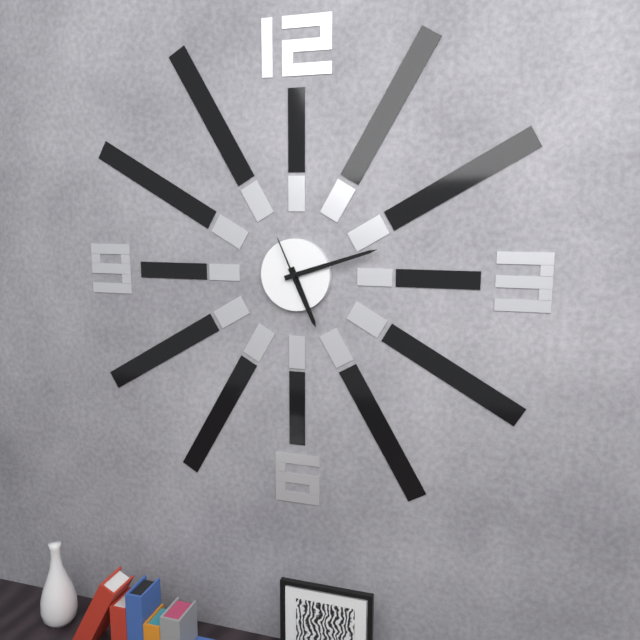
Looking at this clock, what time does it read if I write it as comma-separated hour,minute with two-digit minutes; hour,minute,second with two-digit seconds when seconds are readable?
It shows 5,12,56
